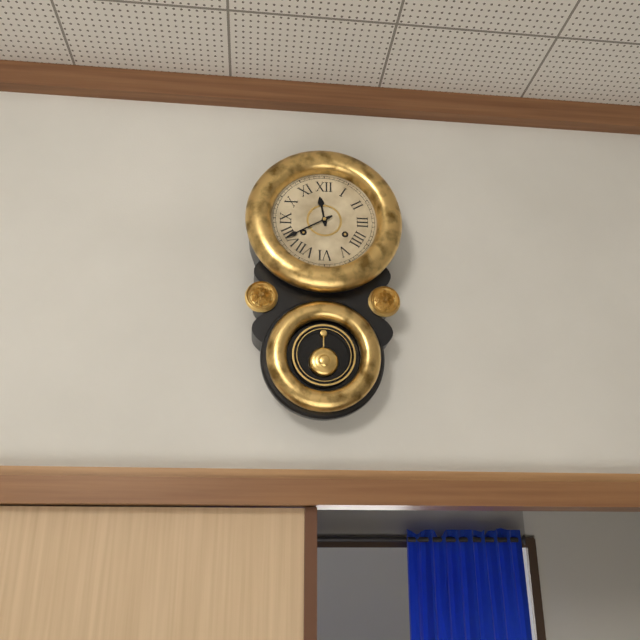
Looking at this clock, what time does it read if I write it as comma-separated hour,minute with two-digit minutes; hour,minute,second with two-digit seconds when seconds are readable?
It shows 11,40
